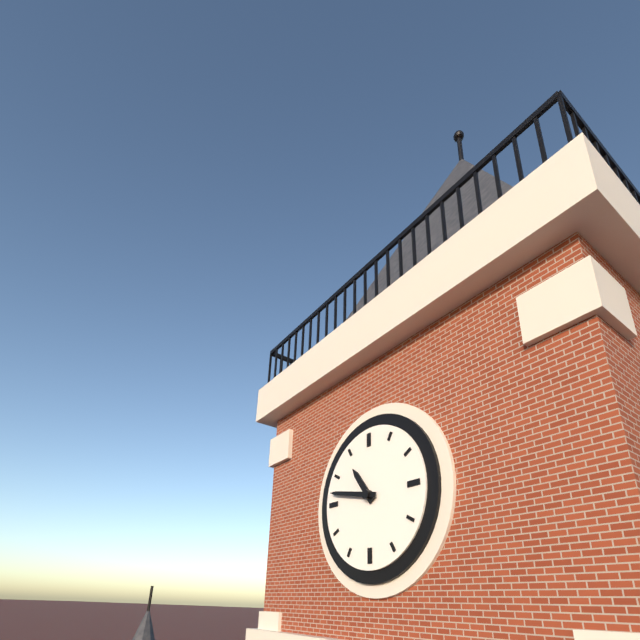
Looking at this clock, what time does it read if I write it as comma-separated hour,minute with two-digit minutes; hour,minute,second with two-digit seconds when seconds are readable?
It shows 10,47
